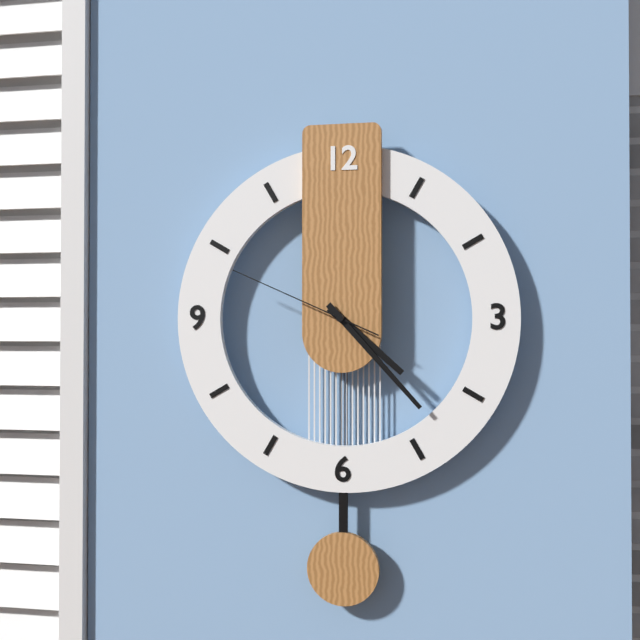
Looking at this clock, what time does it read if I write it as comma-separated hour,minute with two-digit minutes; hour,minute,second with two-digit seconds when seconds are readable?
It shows 4,23,49
